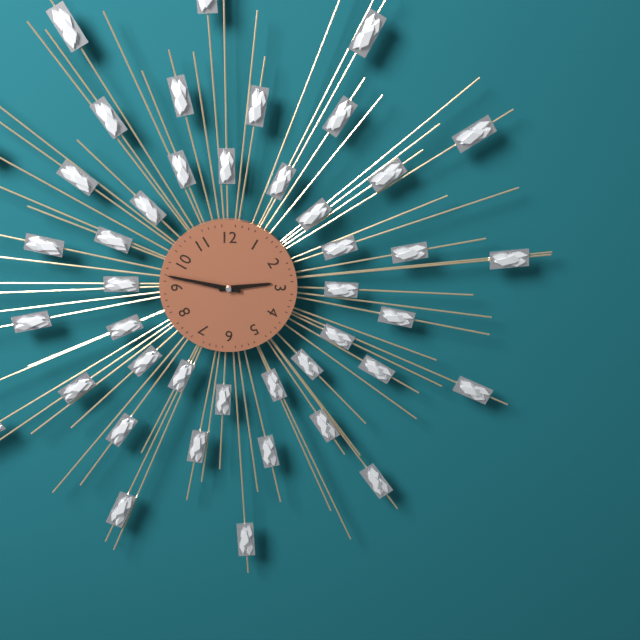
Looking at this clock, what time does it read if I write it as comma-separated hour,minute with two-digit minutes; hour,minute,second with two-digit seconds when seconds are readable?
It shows 2,47
